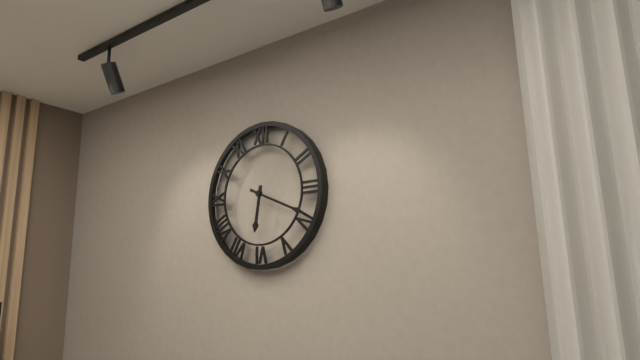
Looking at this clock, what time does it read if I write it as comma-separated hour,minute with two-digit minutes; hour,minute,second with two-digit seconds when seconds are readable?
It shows 6,19
